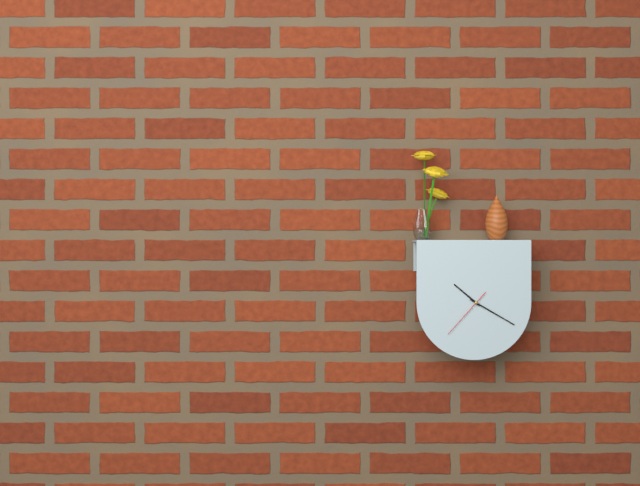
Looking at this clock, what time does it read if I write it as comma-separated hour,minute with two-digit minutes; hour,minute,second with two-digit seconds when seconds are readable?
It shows 10,20,37
